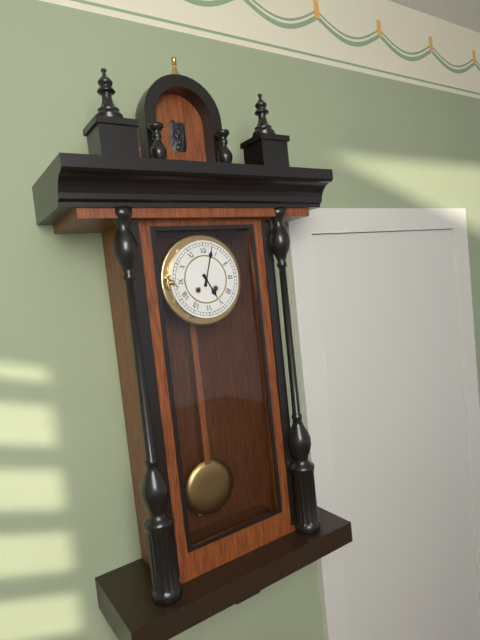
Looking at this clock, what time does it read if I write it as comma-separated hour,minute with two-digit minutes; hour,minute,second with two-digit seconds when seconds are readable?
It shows 5,03
